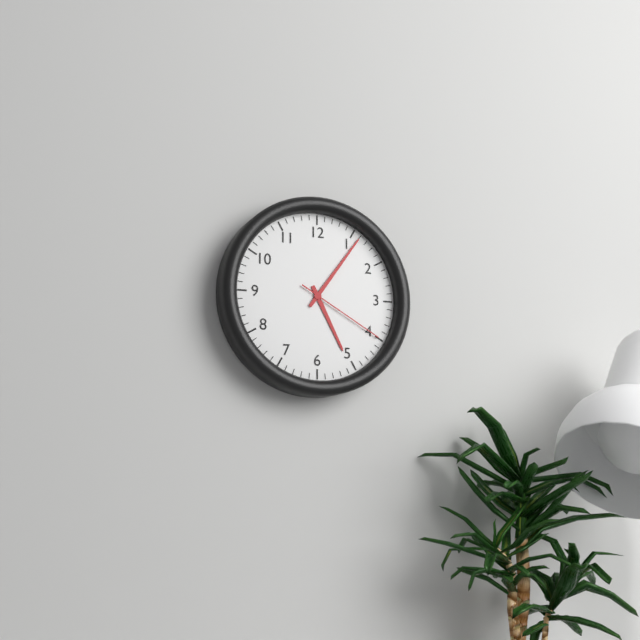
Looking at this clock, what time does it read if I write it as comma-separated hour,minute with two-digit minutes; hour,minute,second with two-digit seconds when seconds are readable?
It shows 5,06,20
